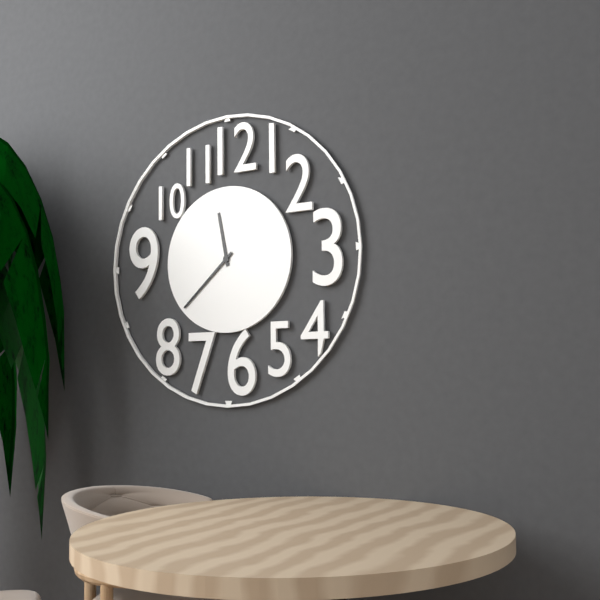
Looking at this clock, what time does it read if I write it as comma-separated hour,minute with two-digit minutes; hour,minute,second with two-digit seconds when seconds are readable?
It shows 11,38
